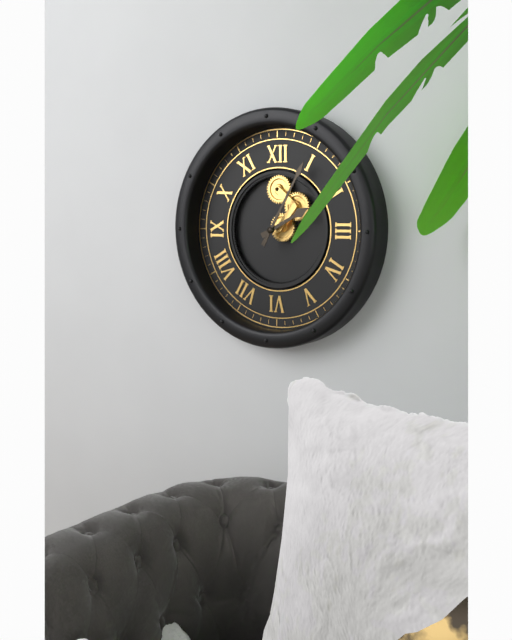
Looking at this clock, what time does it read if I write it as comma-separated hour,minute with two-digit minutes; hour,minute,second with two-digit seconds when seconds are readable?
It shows 2,05
